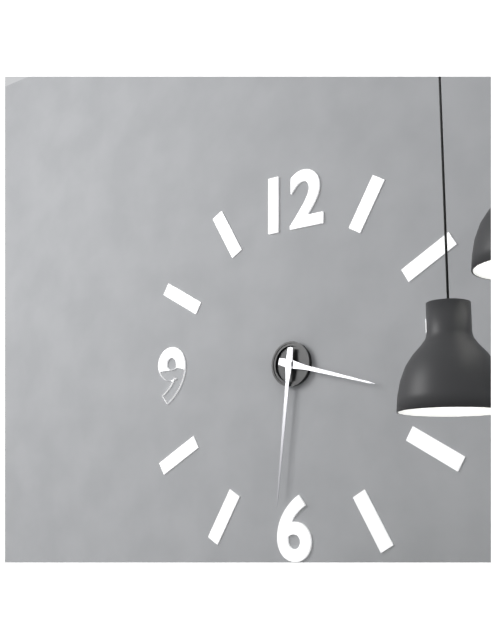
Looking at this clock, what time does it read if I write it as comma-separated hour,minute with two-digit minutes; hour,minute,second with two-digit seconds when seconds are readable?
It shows 3,31
